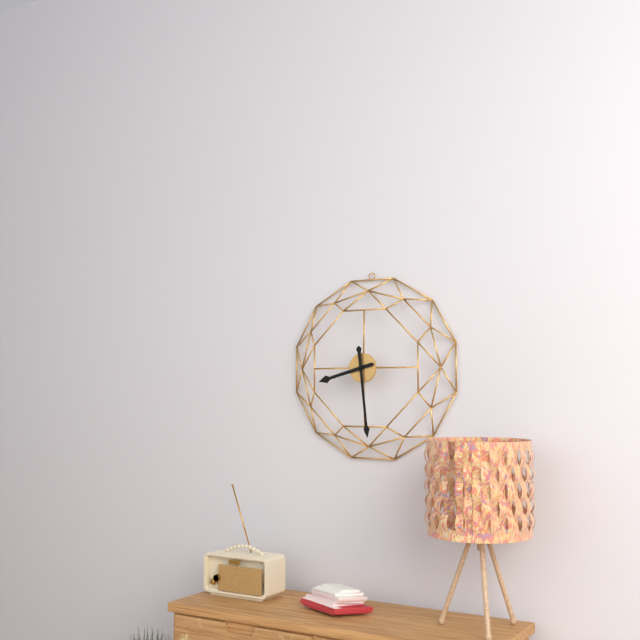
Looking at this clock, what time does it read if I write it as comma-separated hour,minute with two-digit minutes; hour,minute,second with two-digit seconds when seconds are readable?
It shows 8,29
